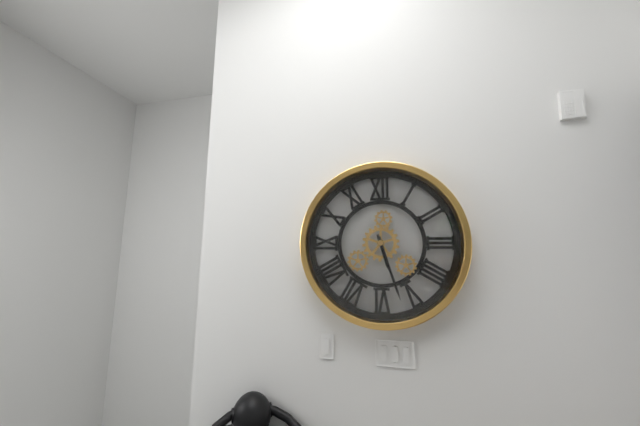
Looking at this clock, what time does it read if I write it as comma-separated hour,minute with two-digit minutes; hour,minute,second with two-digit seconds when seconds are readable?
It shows 5,27
